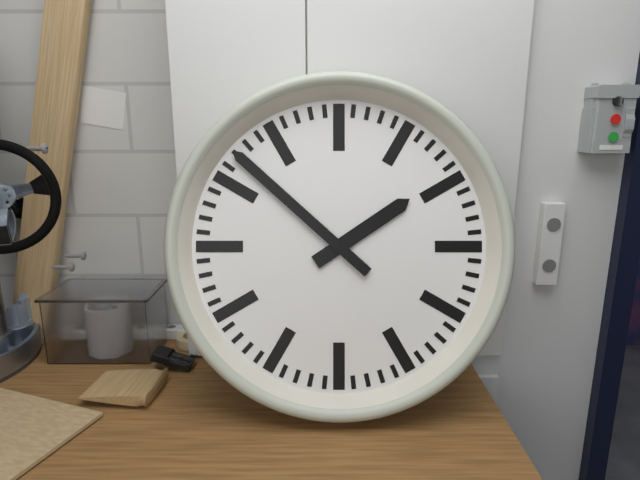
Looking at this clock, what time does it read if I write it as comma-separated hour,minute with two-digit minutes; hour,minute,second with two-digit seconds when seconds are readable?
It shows 1,52
